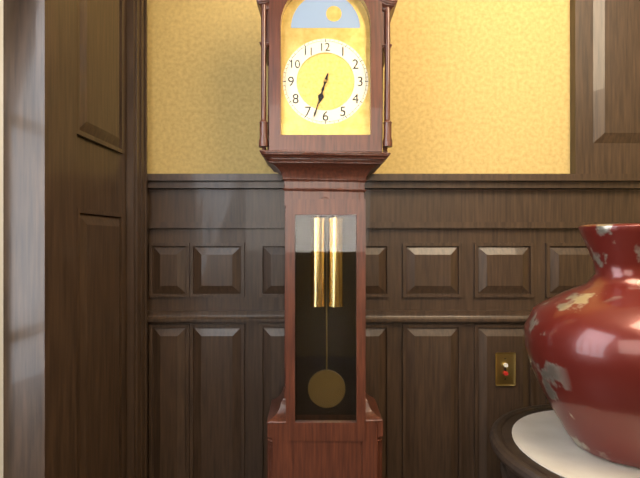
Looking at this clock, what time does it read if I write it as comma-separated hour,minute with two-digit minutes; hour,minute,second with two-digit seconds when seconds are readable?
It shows 6,33
